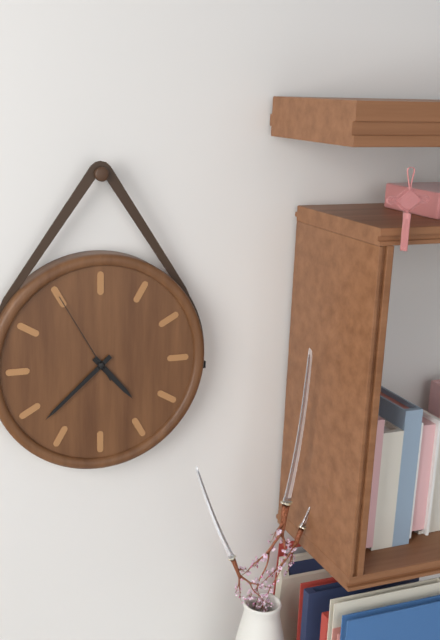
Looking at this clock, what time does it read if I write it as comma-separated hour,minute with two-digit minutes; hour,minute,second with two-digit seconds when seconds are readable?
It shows 4,38,55
